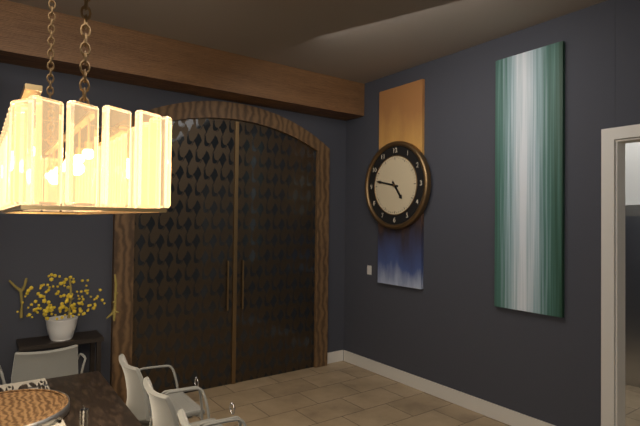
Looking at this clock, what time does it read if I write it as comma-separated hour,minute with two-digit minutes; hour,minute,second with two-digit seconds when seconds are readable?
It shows 4,47
